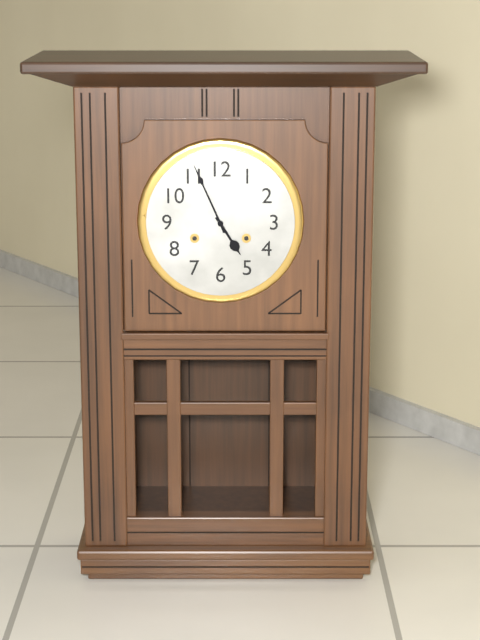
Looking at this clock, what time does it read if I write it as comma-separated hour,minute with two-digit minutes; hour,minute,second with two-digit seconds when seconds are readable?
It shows 4,56
